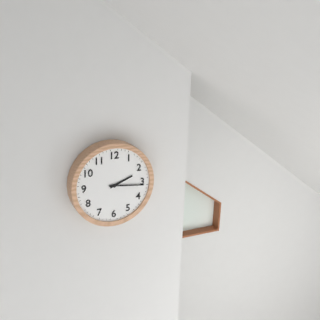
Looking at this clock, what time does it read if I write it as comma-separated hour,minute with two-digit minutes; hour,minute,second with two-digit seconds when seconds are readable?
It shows 2,16
